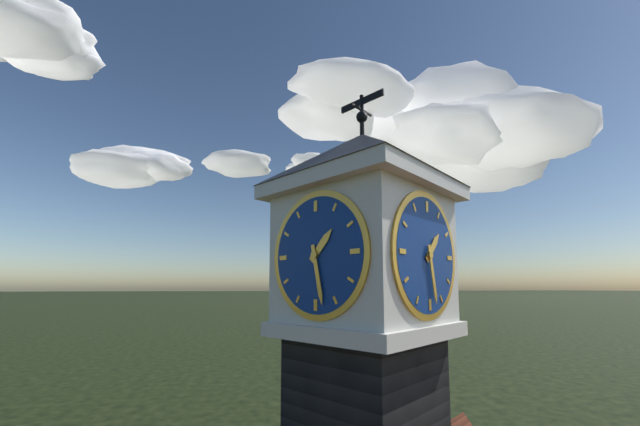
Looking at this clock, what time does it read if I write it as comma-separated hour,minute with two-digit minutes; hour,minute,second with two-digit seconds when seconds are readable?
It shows 1,28
